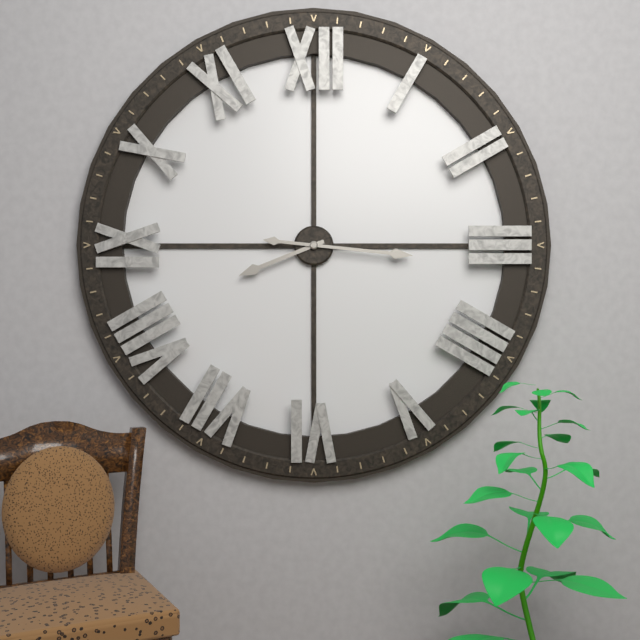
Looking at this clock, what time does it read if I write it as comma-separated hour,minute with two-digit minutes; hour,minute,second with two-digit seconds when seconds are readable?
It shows 8,16
